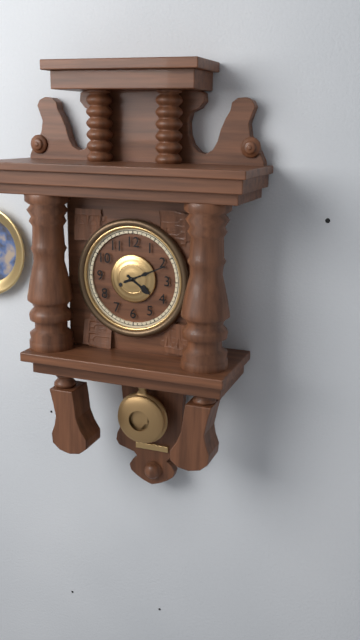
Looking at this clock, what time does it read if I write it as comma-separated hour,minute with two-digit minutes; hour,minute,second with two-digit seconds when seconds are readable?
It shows 4,11
